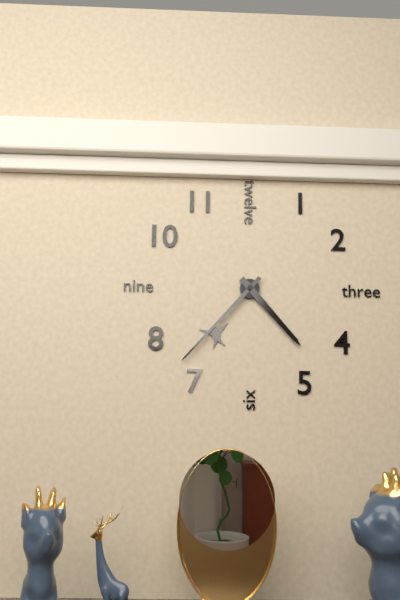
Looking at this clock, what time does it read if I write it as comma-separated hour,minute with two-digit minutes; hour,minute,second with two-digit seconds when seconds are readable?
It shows 4,37
